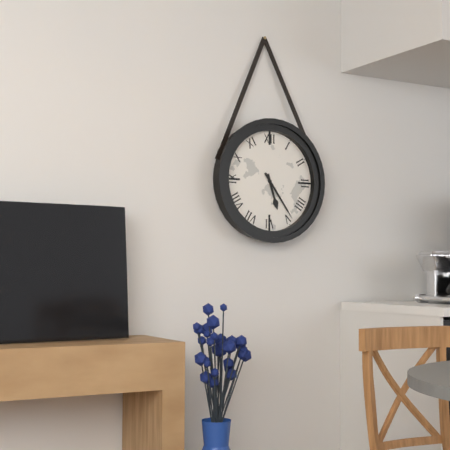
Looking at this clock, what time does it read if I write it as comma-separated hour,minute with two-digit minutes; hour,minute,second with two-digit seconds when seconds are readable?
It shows 5,24
